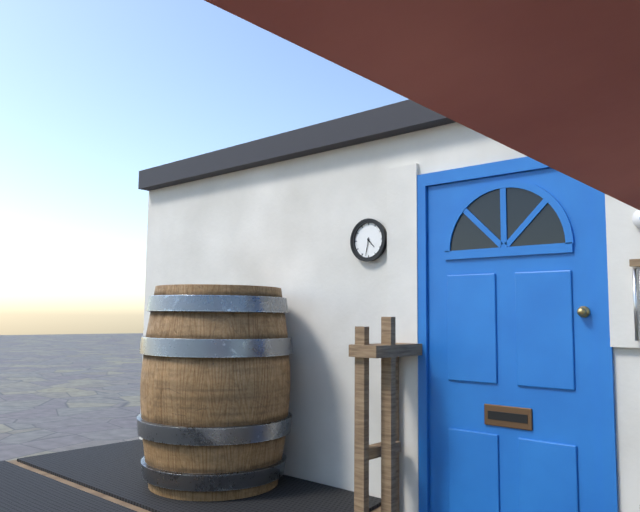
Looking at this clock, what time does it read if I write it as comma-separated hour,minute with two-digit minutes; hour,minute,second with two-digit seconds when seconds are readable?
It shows 4,32
